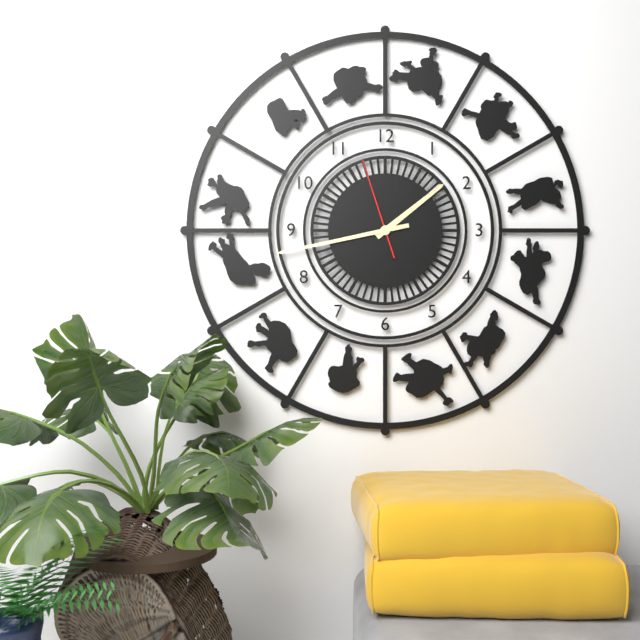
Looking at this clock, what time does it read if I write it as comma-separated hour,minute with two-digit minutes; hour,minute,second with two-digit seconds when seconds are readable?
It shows 1,43,57
